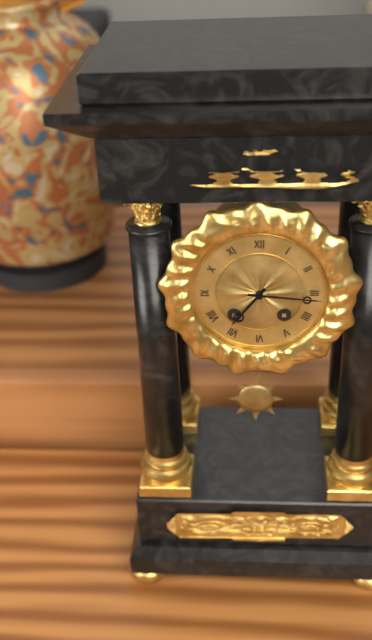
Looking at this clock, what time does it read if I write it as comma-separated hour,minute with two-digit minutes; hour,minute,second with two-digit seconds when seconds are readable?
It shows 7,16
